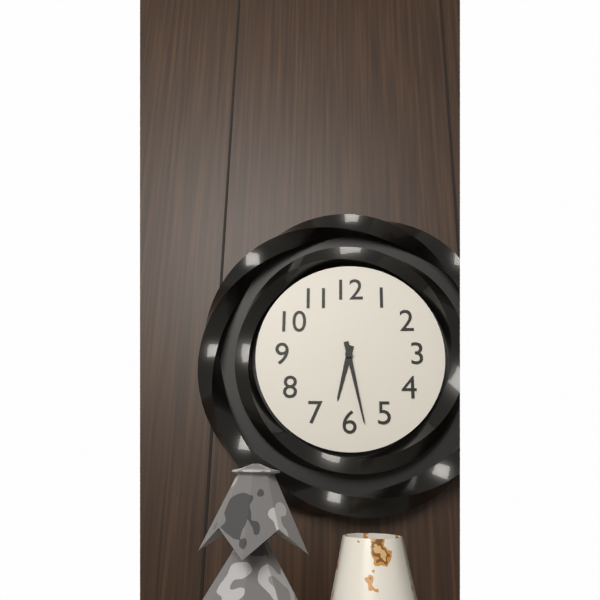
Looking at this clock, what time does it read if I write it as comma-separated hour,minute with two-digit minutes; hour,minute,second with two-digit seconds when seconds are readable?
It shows 6,28
